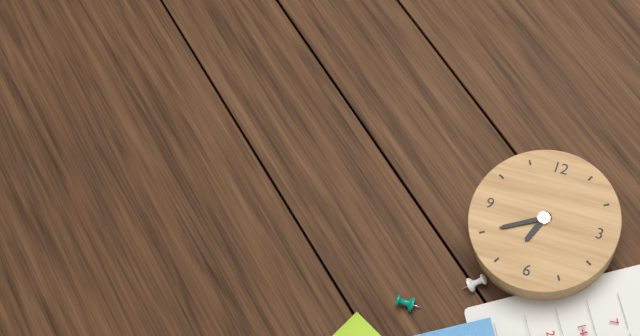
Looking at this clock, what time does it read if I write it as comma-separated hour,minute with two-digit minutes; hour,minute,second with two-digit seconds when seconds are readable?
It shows 6,40
